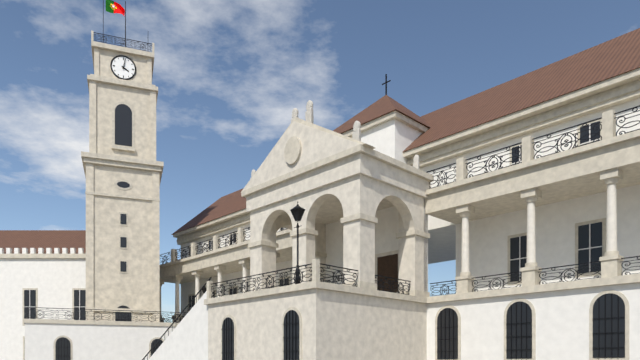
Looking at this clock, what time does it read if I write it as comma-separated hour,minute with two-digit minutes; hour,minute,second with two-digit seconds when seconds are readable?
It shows 4,02
